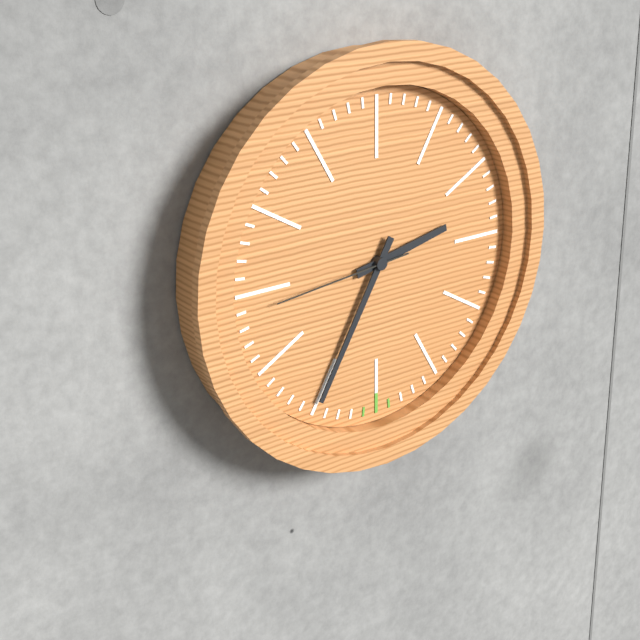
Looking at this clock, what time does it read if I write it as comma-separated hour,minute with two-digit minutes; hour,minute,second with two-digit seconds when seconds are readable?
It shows 2,35,44
